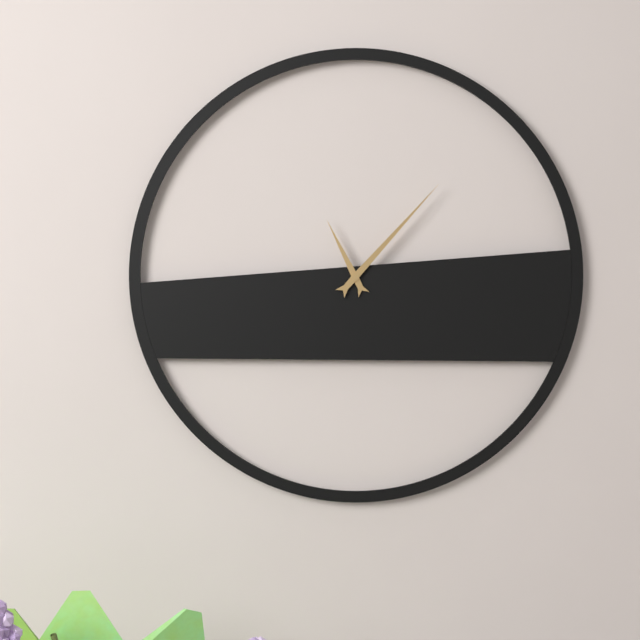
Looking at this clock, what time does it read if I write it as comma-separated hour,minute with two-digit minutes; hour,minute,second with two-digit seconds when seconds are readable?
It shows 11,07
